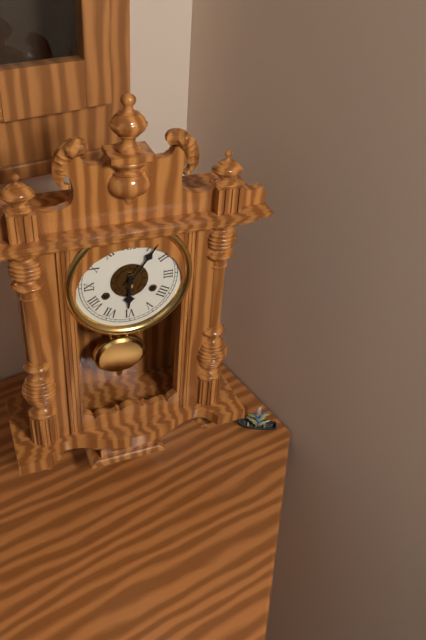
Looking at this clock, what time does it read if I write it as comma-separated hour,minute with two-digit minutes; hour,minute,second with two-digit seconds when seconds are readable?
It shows 6,06
